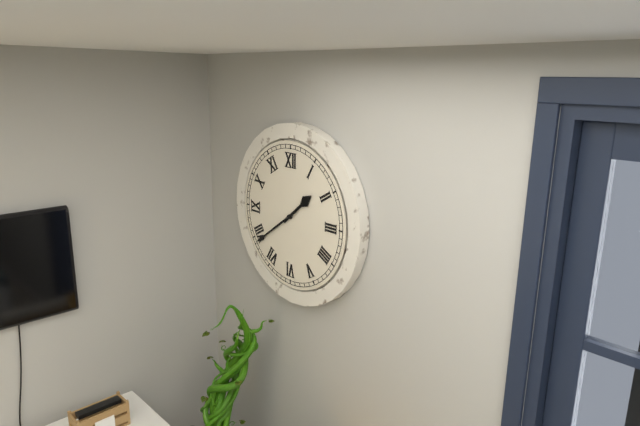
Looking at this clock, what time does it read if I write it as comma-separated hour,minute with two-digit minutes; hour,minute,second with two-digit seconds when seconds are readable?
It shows 1,39
